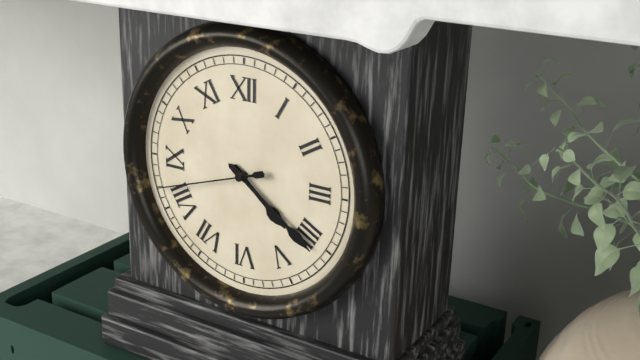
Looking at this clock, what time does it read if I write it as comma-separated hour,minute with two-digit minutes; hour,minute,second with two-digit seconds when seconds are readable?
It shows 4,21,42
